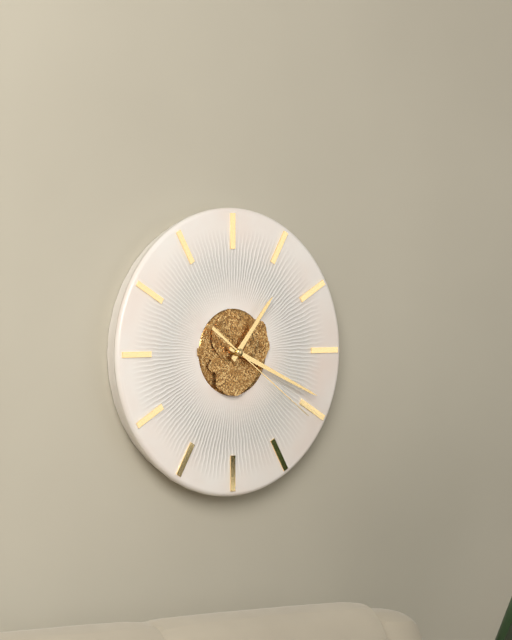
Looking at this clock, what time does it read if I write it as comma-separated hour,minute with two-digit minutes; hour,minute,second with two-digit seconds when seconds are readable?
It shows 1,19,21
